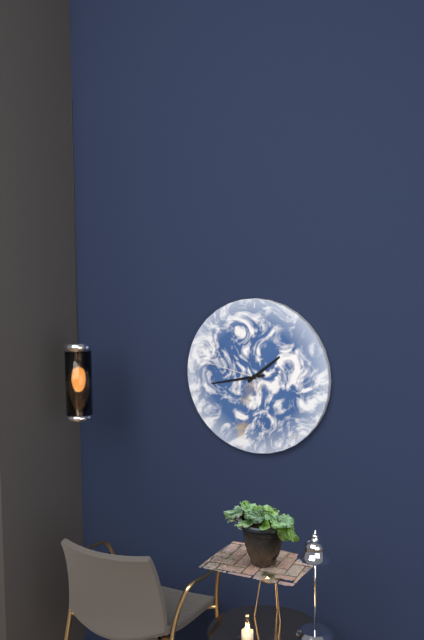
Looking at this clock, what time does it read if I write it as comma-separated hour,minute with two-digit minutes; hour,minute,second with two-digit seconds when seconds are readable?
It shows 1,43,47
